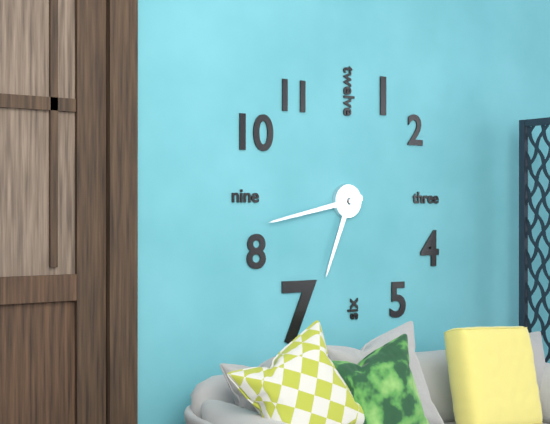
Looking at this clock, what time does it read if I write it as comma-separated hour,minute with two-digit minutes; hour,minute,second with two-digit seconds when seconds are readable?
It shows 6,43
